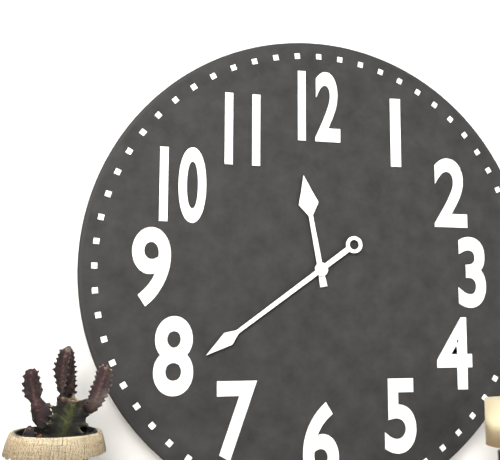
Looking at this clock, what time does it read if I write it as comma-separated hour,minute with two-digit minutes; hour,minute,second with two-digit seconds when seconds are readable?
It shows 11,39
